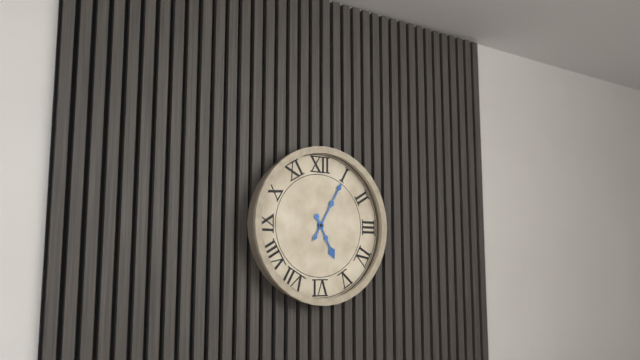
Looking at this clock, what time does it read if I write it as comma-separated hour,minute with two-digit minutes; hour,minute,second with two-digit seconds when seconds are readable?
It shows 5,05
